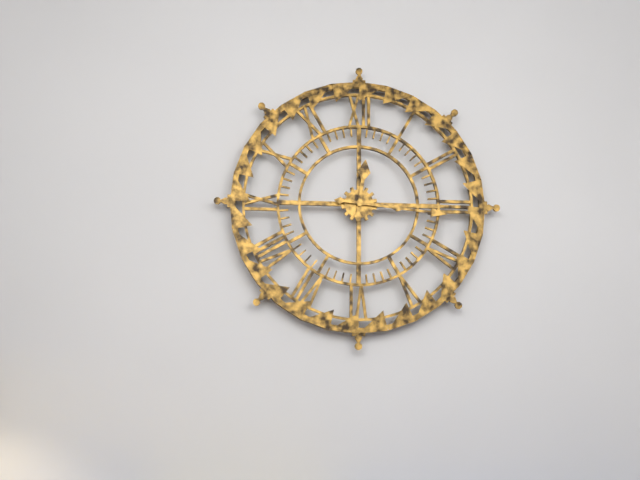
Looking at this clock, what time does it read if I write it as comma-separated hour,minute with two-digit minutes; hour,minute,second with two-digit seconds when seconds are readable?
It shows 12,16
